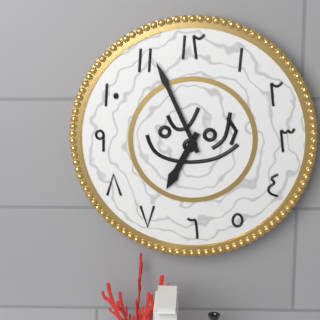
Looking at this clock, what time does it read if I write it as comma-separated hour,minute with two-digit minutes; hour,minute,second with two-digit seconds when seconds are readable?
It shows 6,56
